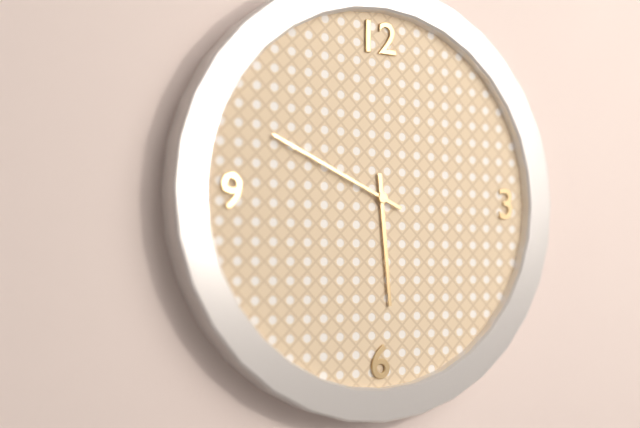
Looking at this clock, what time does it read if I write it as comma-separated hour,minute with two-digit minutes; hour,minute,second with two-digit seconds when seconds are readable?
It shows 5,49
